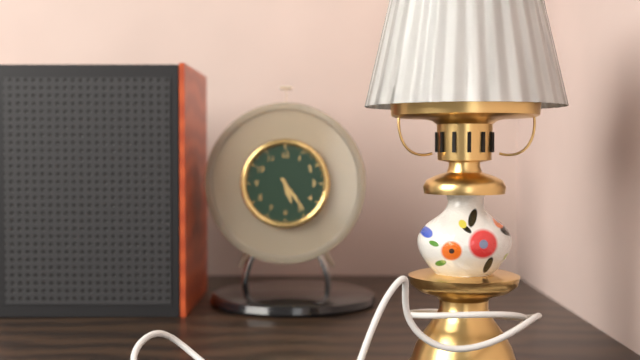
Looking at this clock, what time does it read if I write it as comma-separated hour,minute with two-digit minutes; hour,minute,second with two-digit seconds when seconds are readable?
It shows 5,24
